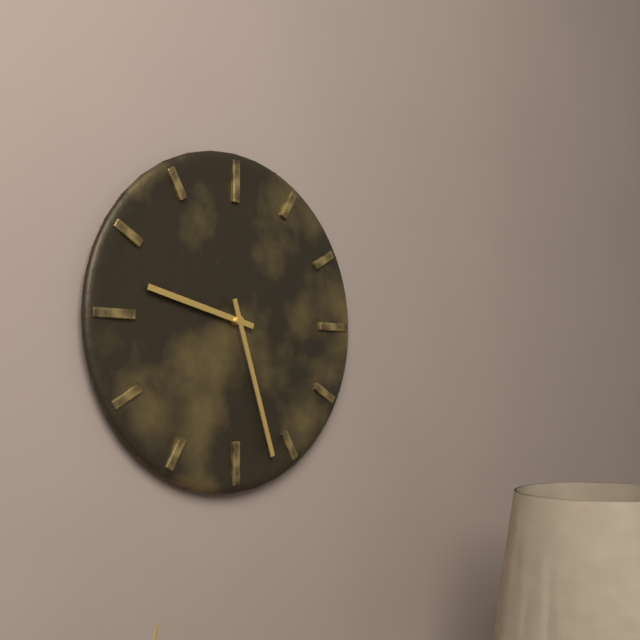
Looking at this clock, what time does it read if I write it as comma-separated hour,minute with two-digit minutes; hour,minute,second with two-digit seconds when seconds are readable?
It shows 9,27
